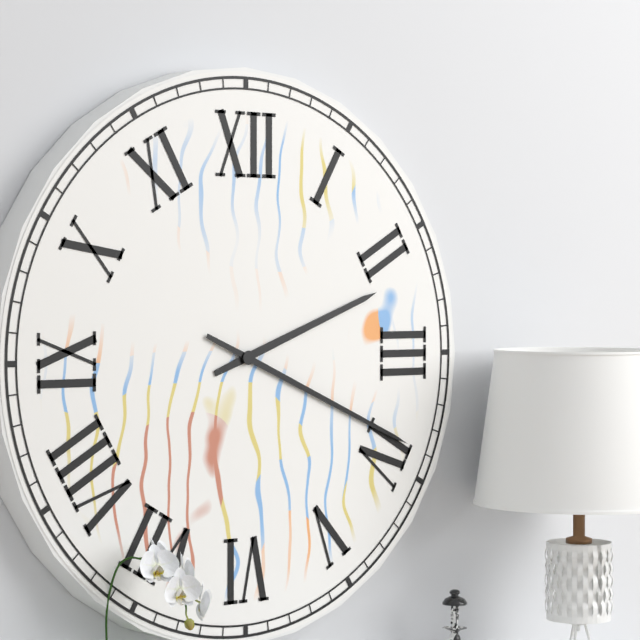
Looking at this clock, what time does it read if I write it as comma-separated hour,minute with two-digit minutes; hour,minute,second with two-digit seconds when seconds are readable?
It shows 2,19
